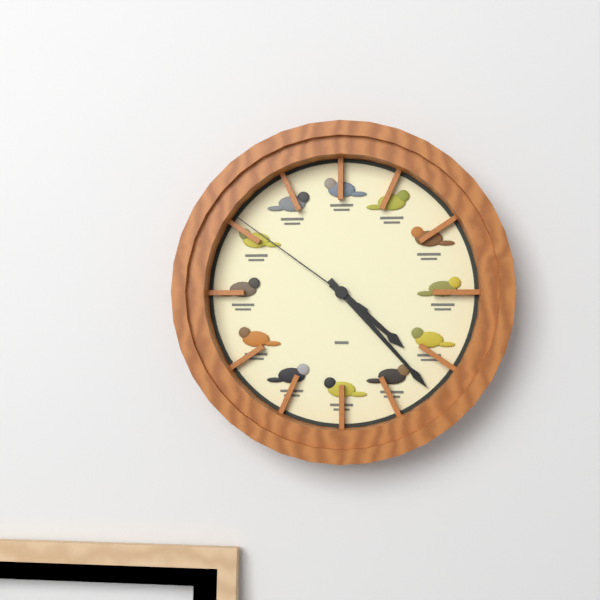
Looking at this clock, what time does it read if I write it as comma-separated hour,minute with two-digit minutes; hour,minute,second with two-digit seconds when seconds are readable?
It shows 4,23,51
